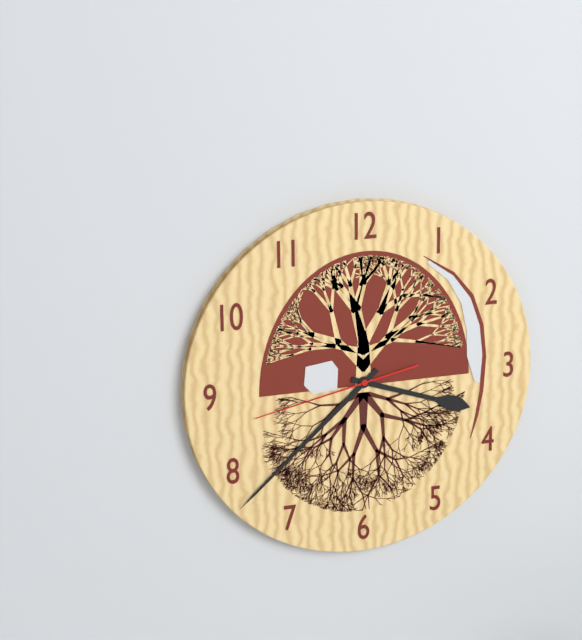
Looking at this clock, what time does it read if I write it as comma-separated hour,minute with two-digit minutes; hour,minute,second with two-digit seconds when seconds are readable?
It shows 3,38,43
